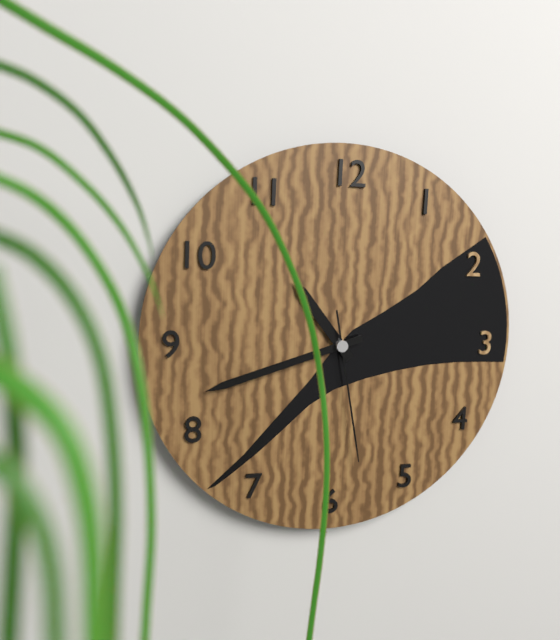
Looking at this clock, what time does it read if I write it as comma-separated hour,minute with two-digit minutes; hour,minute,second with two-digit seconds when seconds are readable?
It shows 10,42,28
